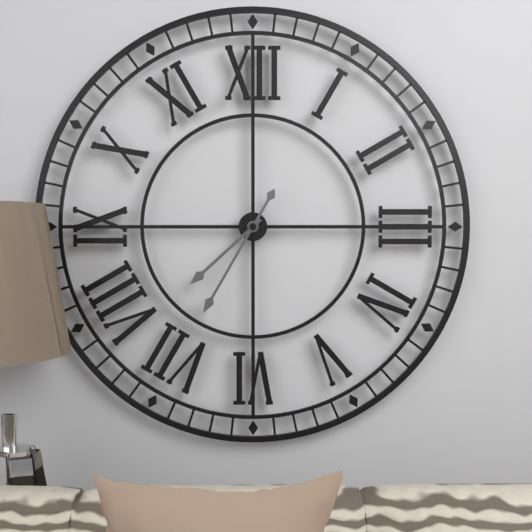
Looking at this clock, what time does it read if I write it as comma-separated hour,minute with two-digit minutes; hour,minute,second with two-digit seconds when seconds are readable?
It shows 7,35
